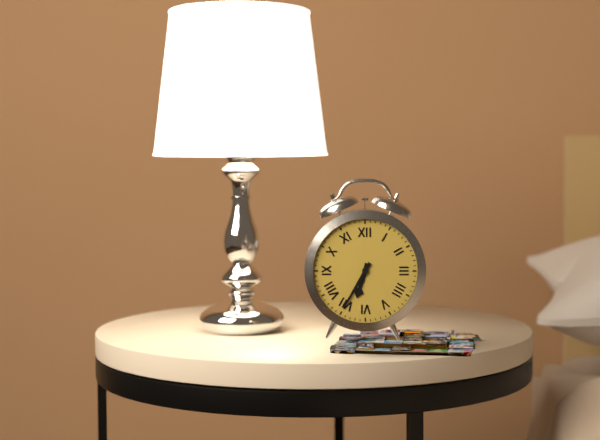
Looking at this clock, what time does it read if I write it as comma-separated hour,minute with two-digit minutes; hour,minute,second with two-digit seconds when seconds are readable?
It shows 6,35
